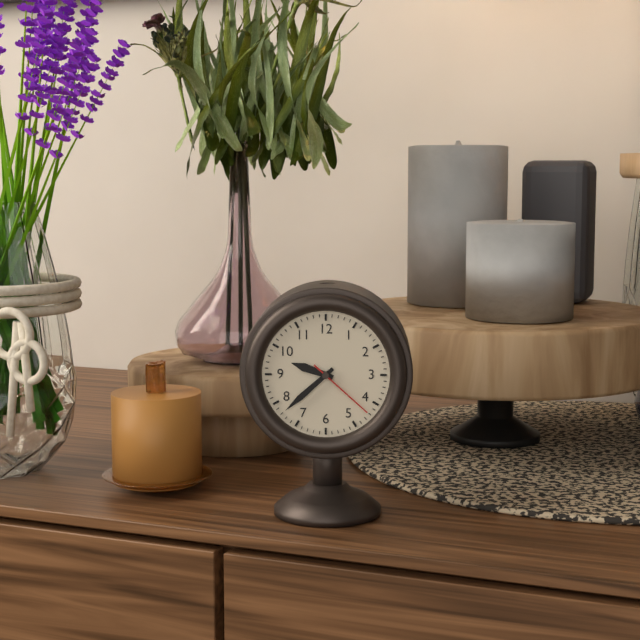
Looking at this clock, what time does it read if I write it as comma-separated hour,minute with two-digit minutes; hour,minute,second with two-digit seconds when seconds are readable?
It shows 9,38,22
